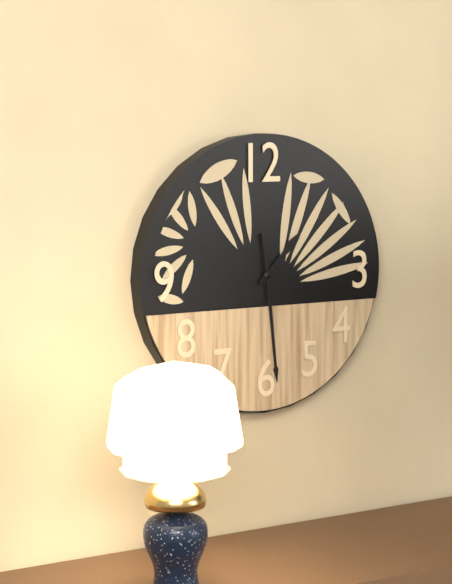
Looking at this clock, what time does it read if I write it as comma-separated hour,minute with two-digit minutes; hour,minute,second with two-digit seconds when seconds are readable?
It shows 1,29
